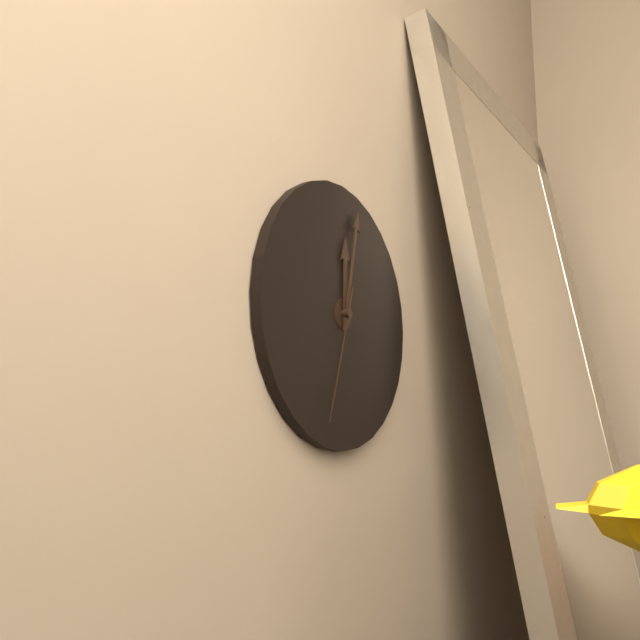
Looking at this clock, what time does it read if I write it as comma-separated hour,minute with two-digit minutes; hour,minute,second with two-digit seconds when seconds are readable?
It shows 12,02,33
